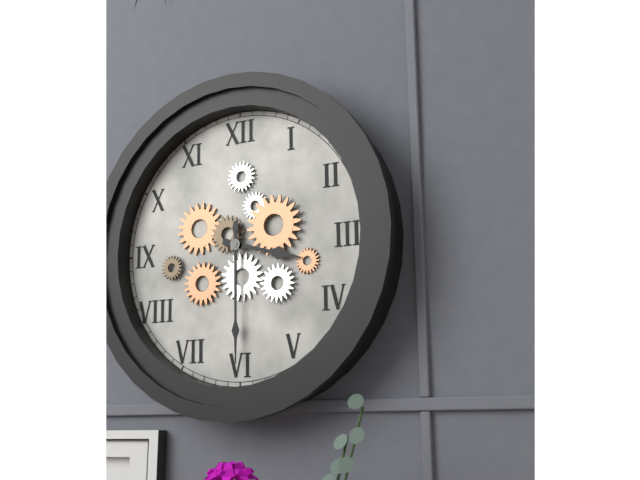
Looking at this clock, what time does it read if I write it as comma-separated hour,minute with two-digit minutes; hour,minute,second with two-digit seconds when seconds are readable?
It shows 3,30
